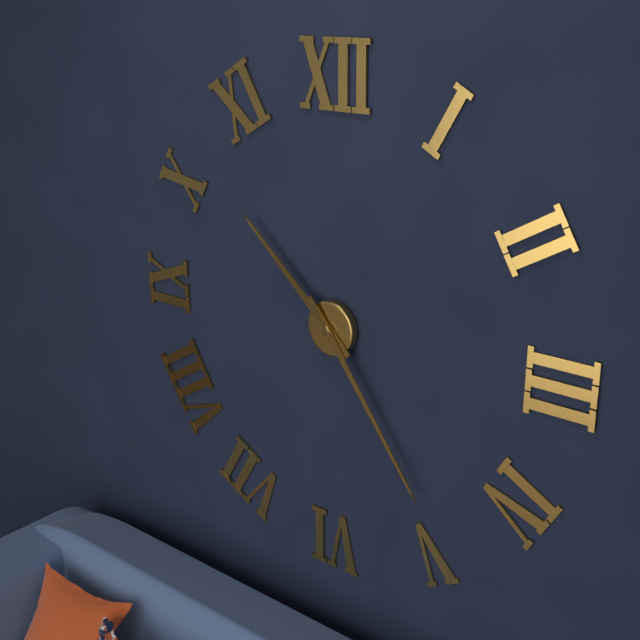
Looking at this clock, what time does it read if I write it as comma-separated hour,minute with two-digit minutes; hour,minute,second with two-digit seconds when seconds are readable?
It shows 10,24
